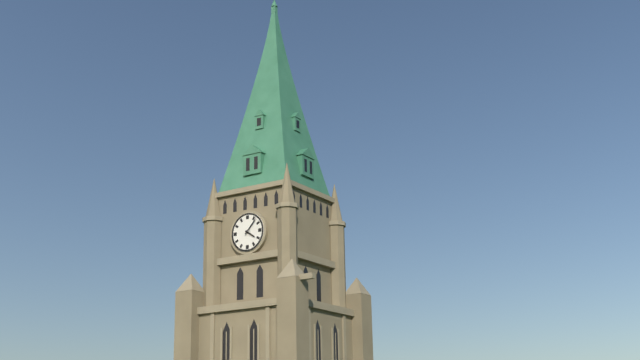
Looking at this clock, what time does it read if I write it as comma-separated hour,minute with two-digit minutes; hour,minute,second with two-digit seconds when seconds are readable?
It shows 4,07
